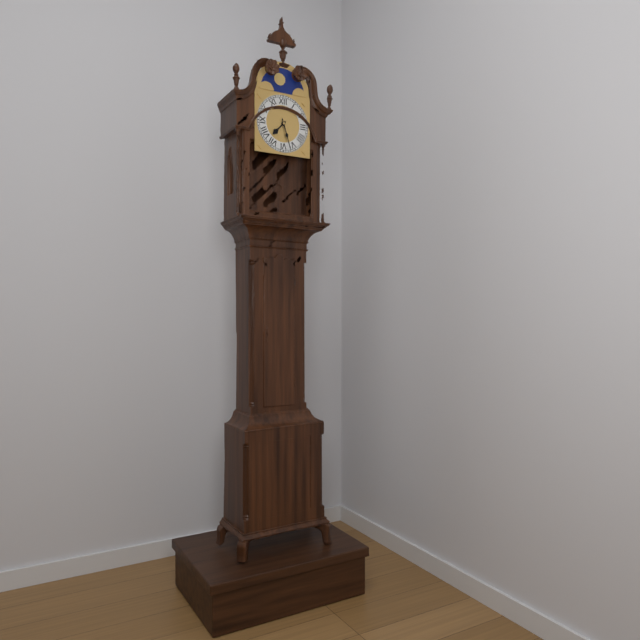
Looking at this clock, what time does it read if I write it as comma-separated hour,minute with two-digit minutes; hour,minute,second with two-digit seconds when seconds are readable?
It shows 7,27
